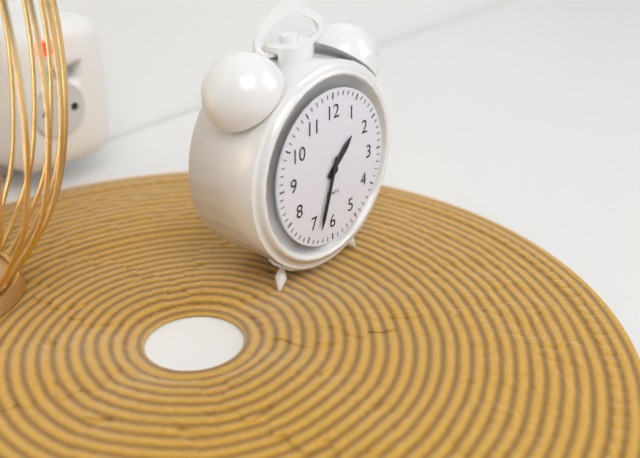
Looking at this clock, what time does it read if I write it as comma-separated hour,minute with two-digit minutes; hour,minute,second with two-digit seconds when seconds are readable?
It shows 1,33
